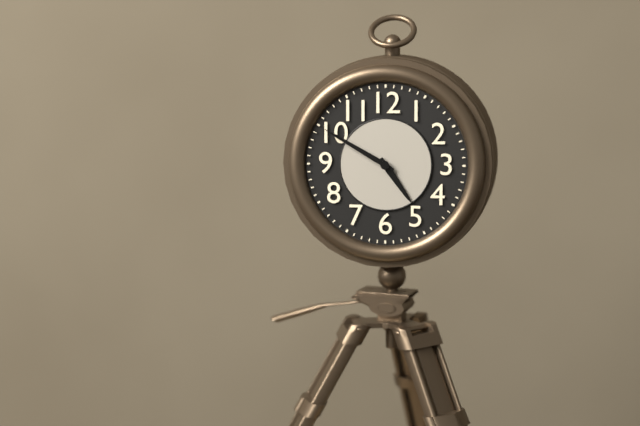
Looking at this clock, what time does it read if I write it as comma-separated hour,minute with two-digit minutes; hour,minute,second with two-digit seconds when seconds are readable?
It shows 4,50
